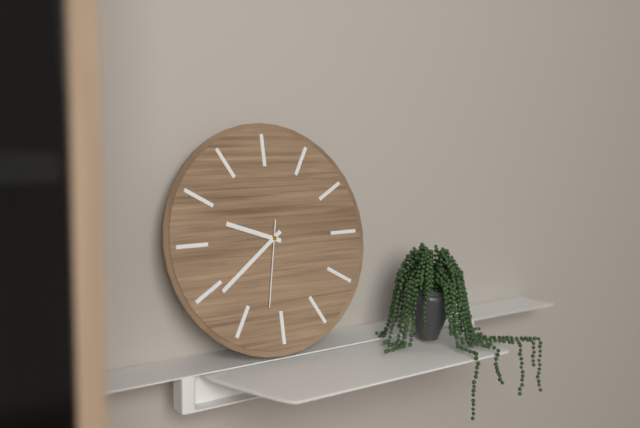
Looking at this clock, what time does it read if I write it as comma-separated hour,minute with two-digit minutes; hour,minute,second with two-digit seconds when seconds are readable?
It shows 9,39,32
